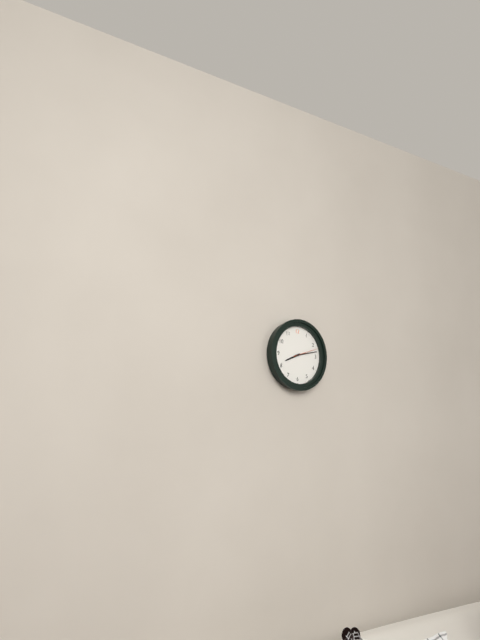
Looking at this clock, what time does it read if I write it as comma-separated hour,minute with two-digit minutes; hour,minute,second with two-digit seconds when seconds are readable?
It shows 8,13
